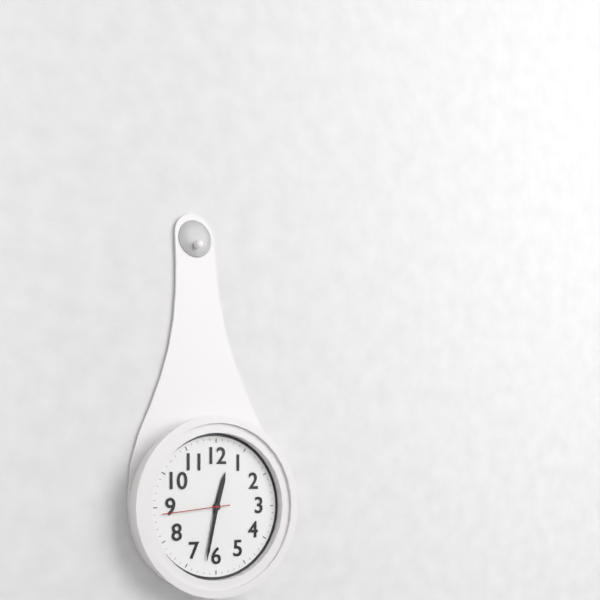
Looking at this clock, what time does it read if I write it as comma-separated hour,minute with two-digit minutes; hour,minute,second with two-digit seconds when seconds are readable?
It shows 12,32,44
